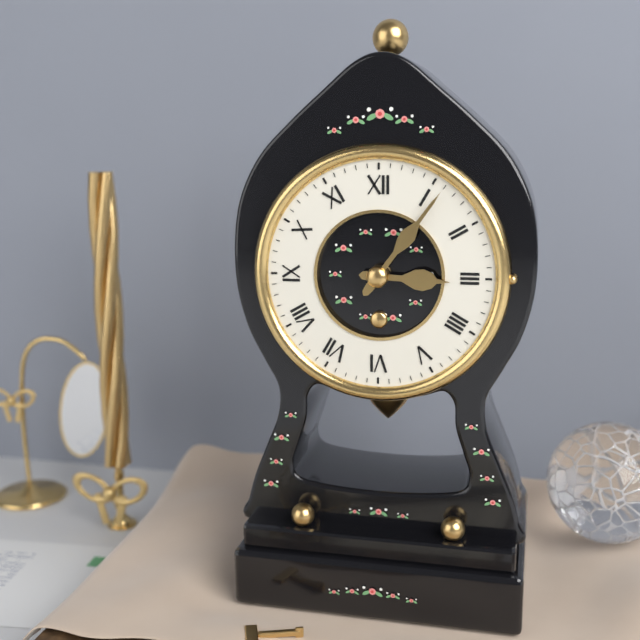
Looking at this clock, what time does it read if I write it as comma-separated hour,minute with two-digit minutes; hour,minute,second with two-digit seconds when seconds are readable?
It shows 3,06
